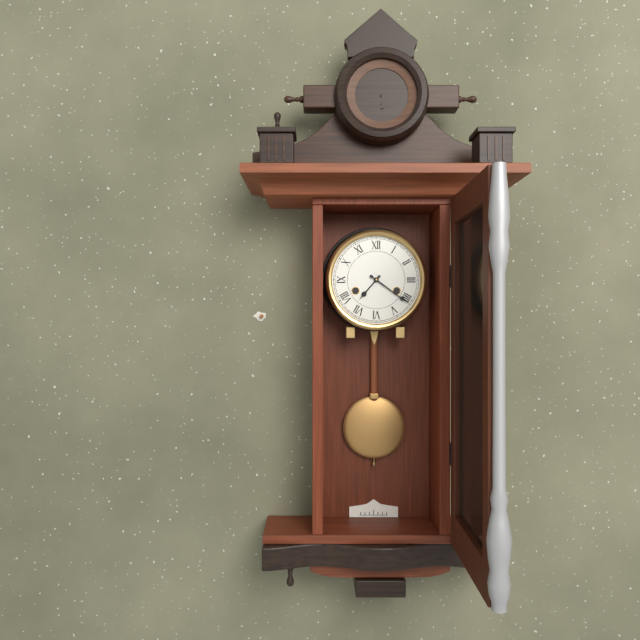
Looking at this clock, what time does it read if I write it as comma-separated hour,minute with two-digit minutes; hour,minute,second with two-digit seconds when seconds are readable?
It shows 7,21
